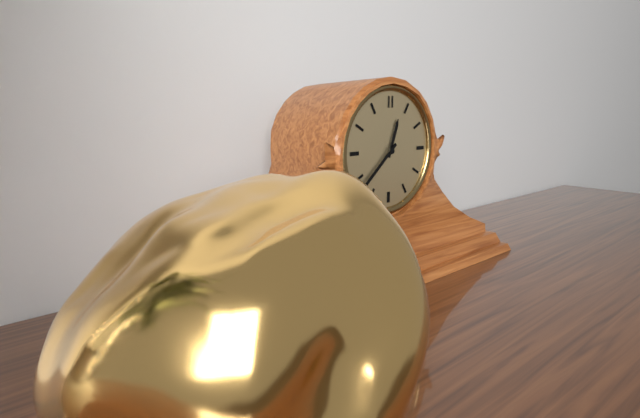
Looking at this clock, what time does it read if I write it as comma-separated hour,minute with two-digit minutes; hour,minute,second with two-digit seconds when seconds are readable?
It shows 12,38
